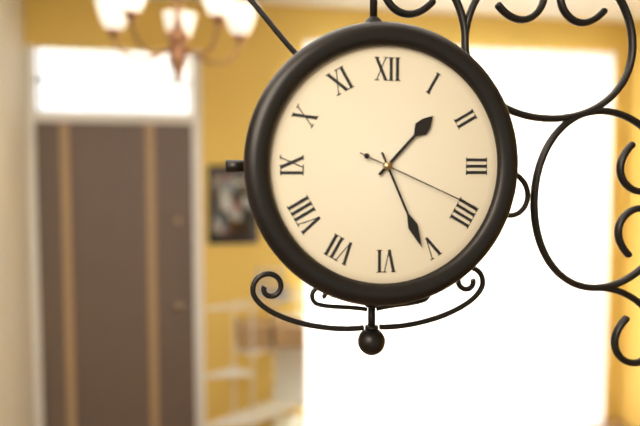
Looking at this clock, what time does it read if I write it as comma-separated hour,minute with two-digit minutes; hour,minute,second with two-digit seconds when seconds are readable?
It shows 1,26,19
